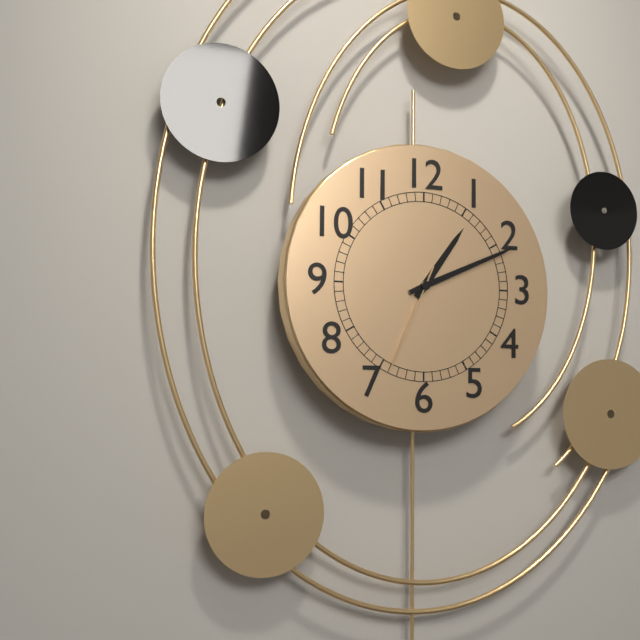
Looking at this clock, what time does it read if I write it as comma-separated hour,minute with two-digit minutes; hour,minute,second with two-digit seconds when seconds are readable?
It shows 1,11,34
